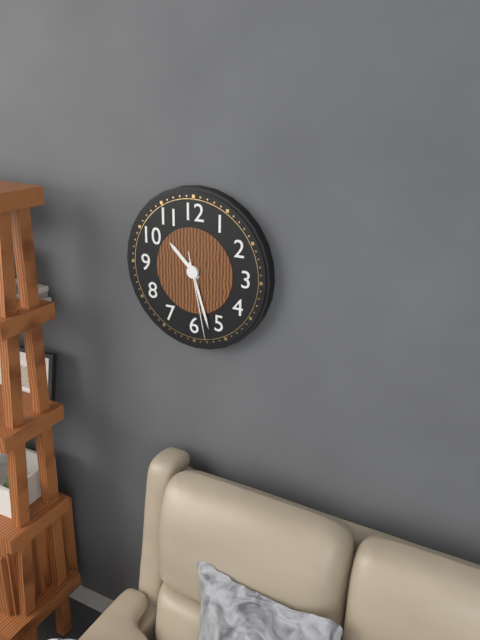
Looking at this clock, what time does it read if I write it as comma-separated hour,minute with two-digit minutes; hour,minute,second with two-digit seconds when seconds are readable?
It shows 10,27,28
